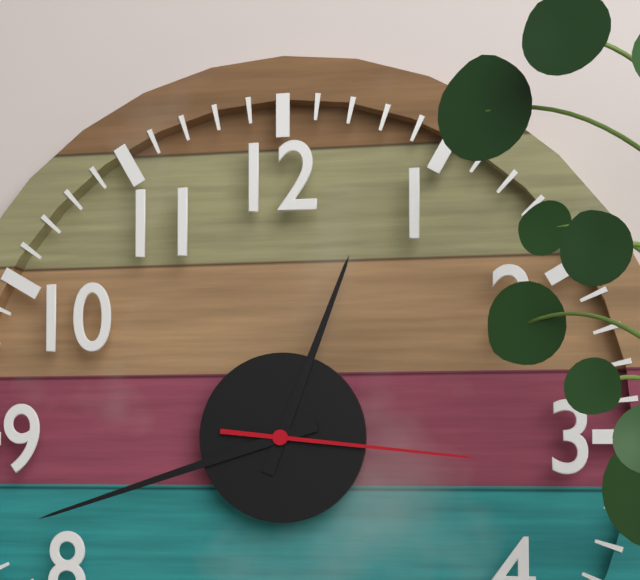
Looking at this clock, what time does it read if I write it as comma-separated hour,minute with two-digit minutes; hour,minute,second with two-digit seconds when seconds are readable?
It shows 12,42,16
